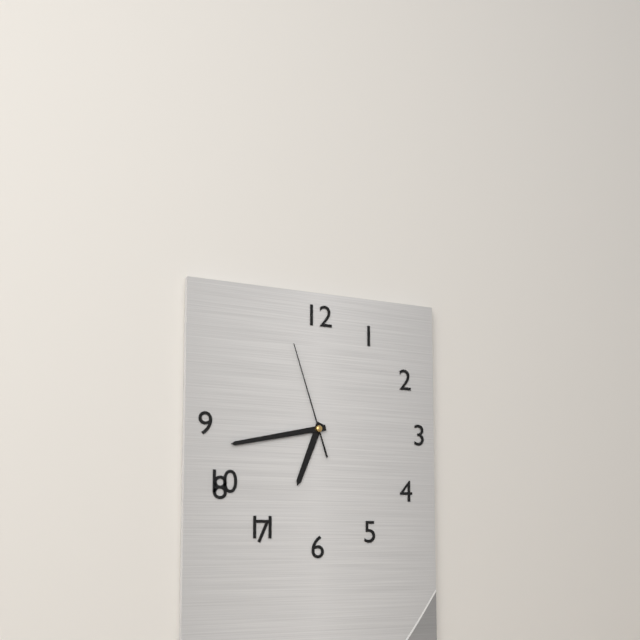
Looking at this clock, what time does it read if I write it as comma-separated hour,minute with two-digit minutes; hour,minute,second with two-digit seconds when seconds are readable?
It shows 6,43,57
